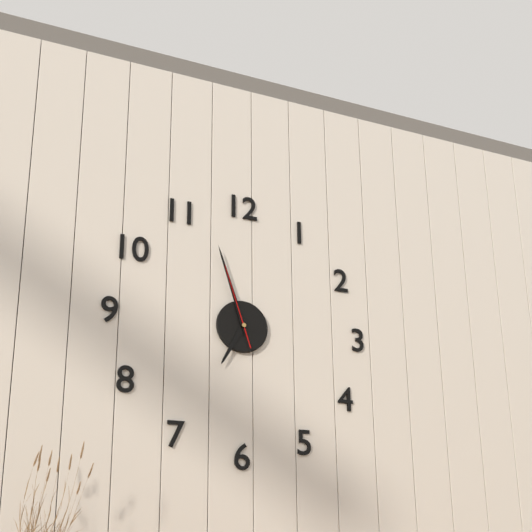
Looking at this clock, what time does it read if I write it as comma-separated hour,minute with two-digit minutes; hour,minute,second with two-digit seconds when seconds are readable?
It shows 6,57,57
